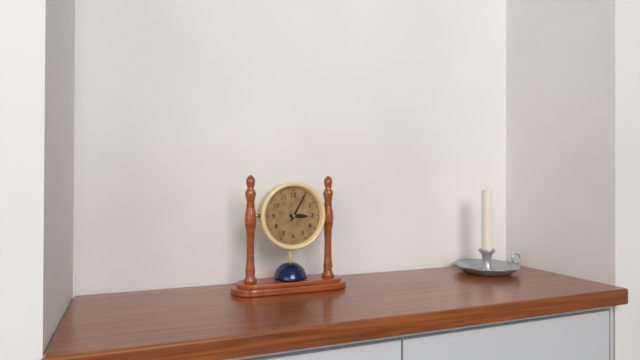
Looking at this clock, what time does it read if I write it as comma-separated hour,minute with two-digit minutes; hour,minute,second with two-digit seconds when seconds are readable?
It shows 3,05
